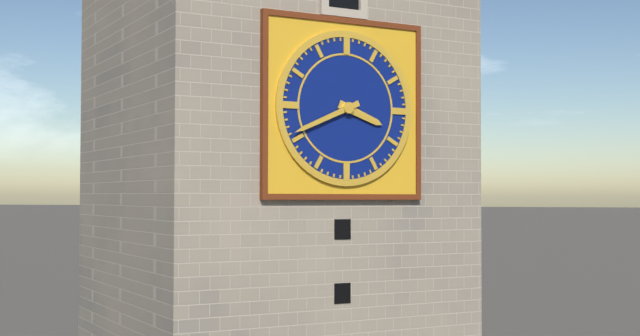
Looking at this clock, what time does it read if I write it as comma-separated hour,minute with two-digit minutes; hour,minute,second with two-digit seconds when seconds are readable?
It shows 3,41
